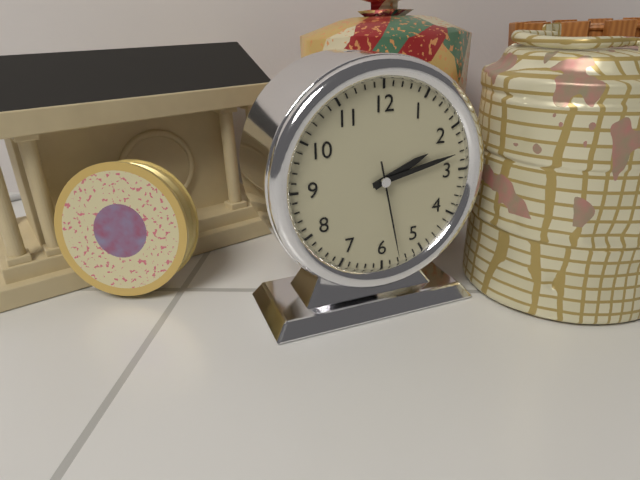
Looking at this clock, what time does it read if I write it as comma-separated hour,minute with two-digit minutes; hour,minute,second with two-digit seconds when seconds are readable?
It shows 2,13,28
